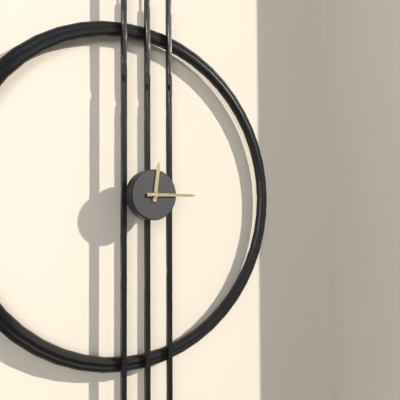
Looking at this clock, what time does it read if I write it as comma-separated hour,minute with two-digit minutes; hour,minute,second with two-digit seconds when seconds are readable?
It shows 12,15
